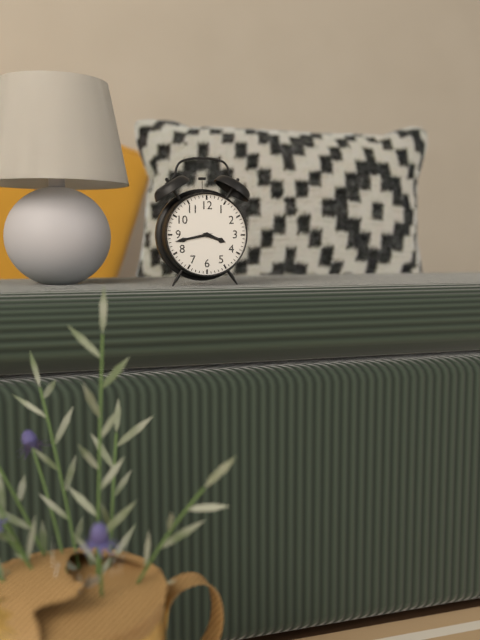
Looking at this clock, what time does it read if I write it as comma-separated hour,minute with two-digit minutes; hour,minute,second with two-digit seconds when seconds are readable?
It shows 3,43
